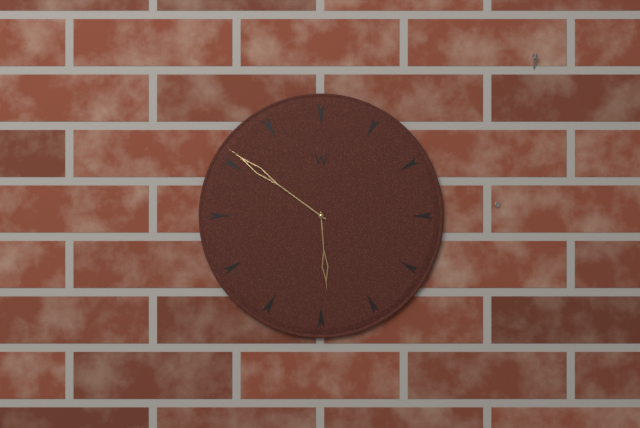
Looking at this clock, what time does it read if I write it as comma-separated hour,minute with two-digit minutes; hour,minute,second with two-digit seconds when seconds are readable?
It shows 5,51
